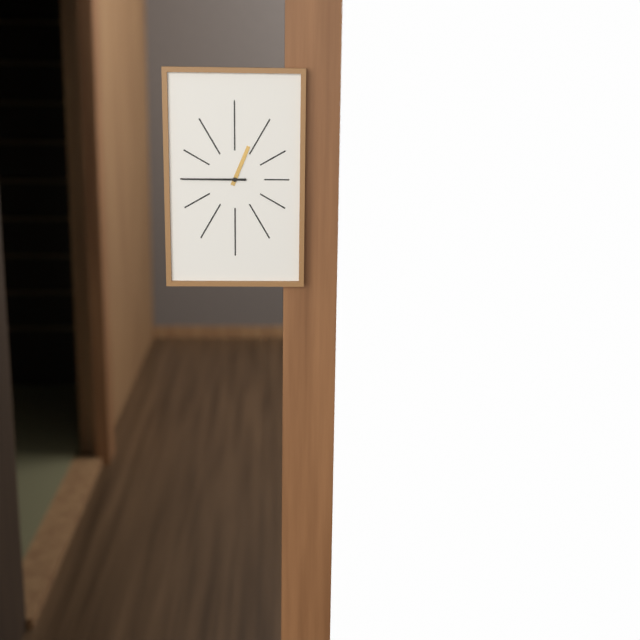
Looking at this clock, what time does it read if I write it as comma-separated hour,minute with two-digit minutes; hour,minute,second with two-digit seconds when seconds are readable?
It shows 12,45
